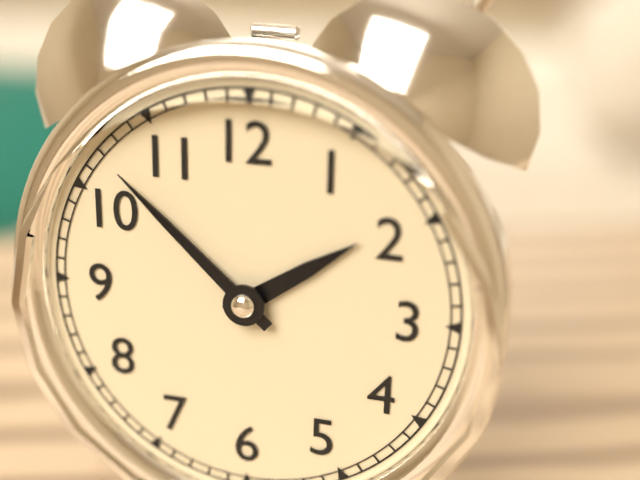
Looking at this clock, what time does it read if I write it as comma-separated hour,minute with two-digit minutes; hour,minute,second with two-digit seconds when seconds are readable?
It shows 1,52
